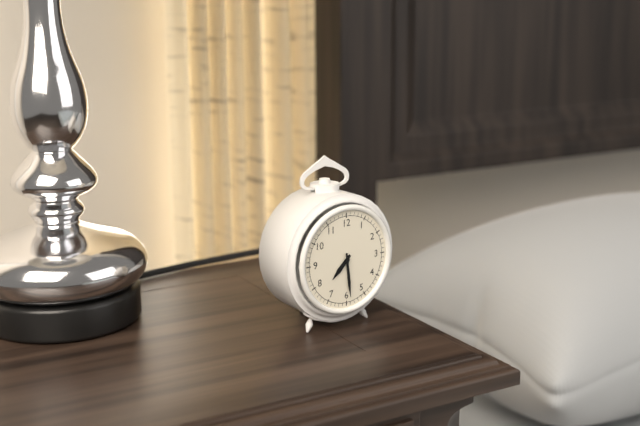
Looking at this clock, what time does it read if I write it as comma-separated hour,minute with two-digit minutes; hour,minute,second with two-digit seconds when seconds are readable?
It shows 7,29
